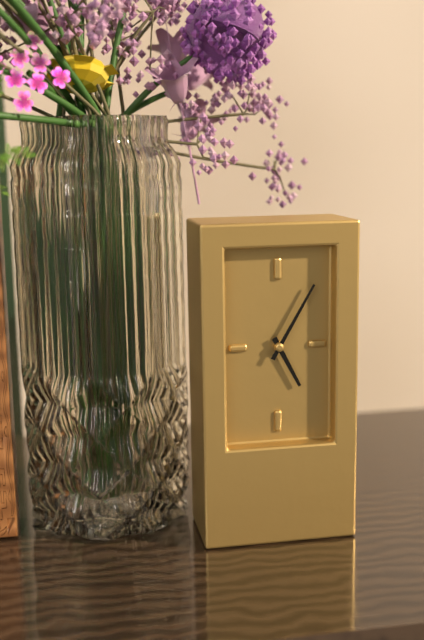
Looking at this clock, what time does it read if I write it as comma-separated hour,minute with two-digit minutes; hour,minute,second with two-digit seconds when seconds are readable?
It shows 5,05
